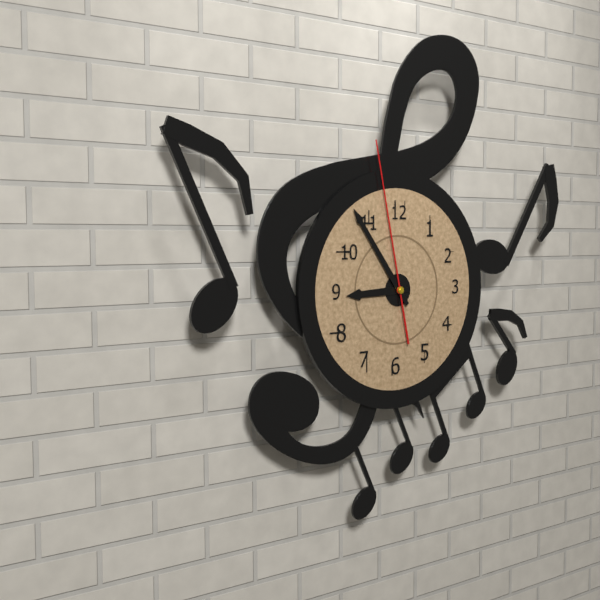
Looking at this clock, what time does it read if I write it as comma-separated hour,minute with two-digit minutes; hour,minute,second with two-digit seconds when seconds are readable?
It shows 8,54,58
